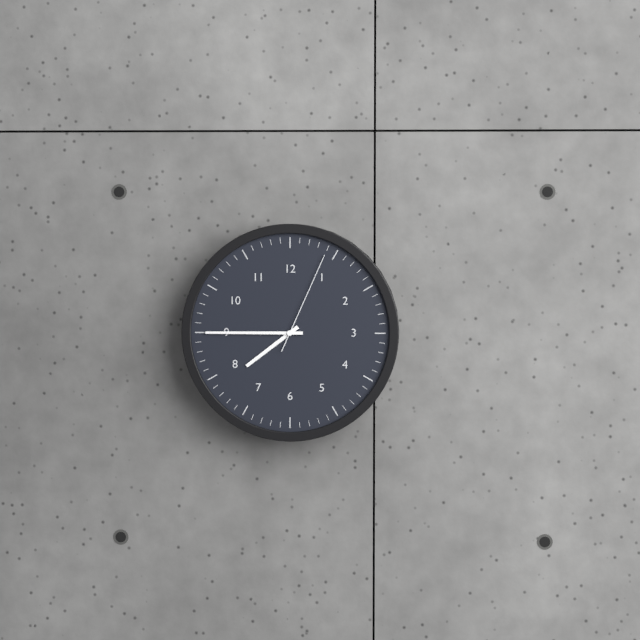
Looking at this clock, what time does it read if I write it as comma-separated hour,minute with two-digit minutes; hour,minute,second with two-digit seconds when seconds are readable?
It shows 7,45,04
